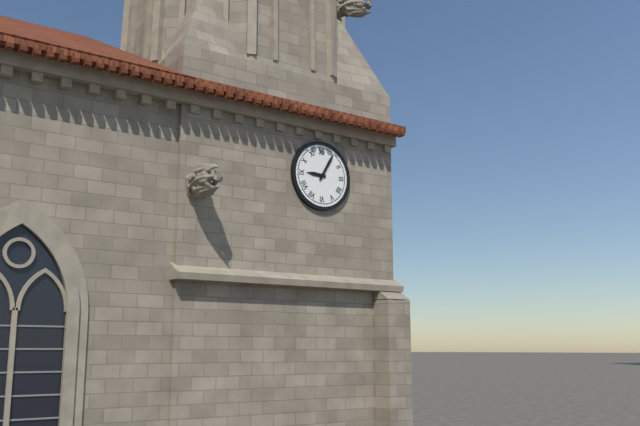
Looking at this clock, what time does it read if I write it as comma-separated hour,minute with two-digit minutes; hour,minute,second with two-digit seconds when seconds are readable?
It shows 9,05
